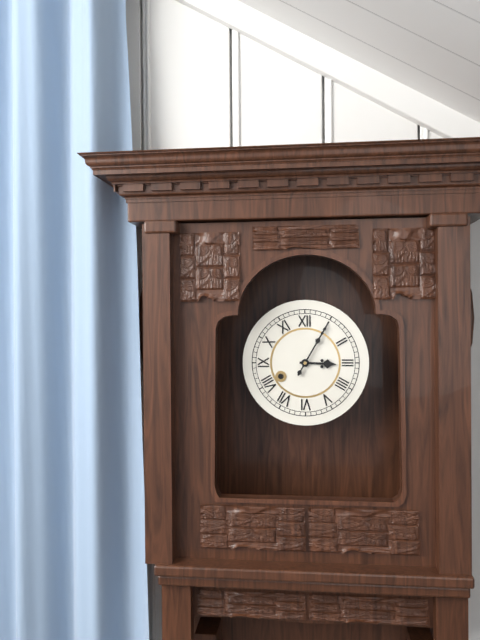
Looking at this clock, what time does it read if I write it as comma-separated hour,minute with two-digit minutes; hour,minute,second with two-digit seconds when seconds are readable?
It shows 3,05
